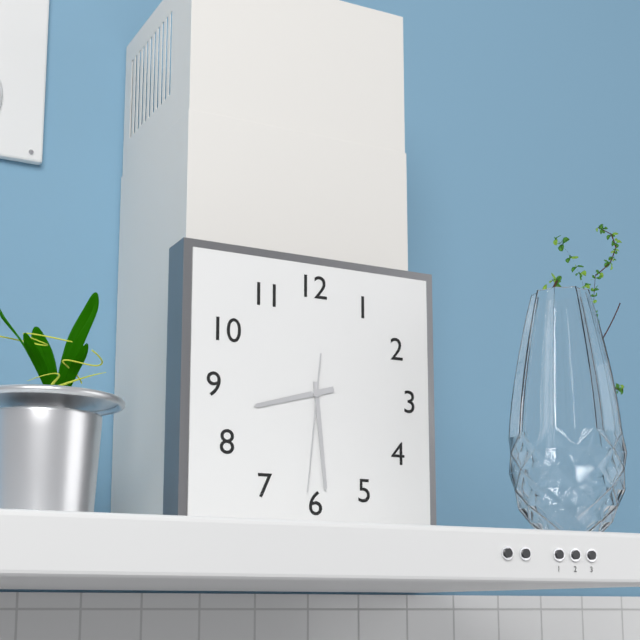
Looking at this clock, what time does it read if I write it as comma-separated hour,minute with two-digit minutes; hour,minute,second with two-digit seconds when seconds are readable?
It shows 8,29,31
